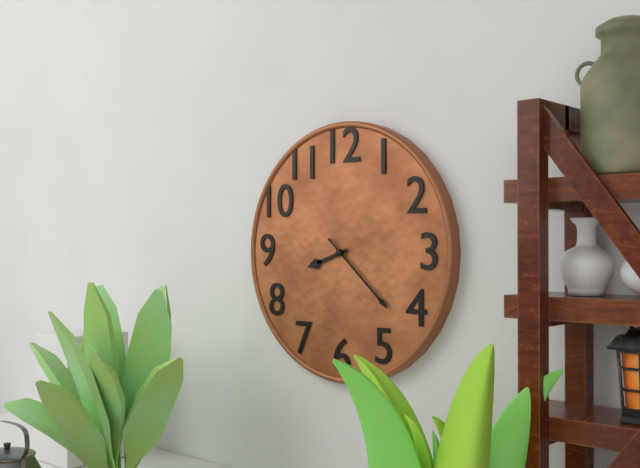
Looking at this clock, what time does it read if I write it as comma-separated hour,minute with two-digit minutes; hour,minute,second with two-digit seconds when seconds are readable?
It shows 8,22
